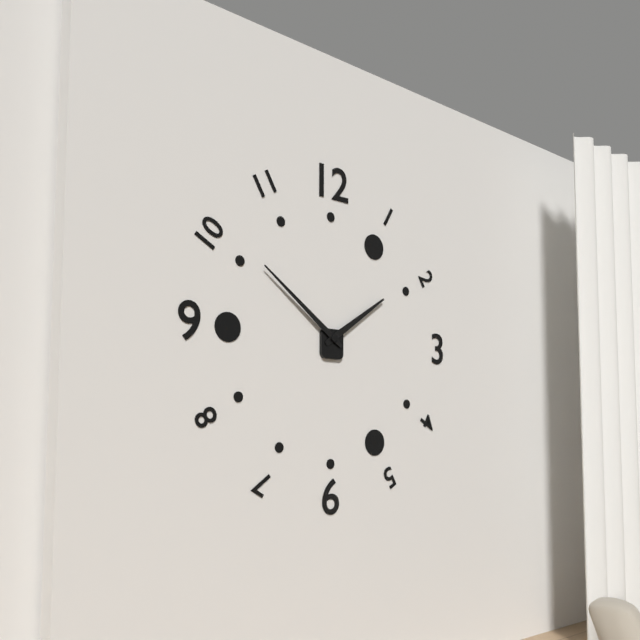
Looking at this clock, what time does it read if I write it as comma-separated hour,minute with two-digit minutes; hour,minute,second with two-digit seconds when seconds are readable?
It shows 1,51
